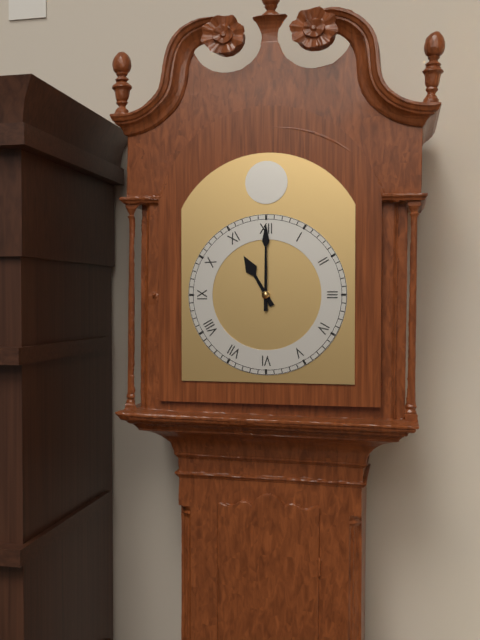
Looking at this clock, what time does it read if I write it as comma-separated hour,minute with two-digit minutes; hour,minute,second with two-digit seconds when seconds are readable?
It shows 11,00
